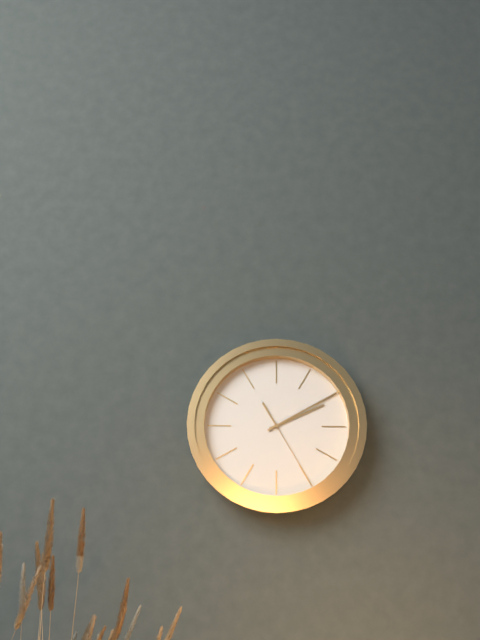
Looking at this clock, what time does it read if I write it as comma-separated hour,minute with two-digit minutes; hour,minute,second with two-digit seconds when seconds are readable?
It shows 2,10,25
